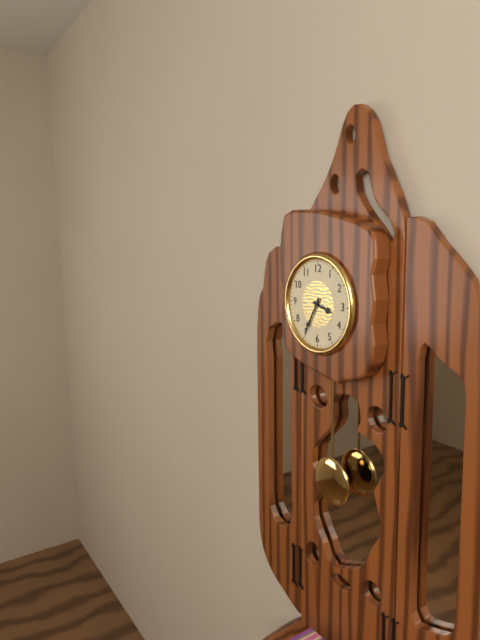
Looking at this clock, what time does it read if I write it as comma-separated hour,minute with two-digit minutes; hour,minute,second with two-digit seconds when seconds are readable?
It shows 3,35
